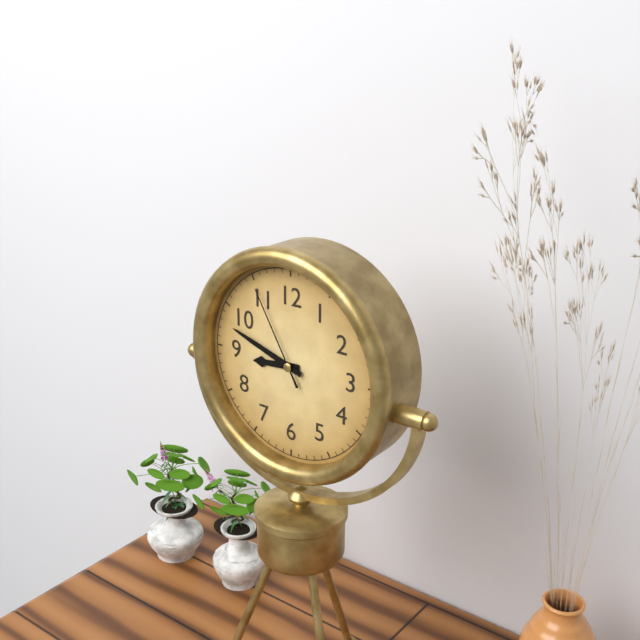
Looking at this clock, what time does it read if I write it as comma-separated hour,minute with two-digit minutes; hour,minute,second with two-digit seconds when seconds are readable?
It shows 8,48,55
